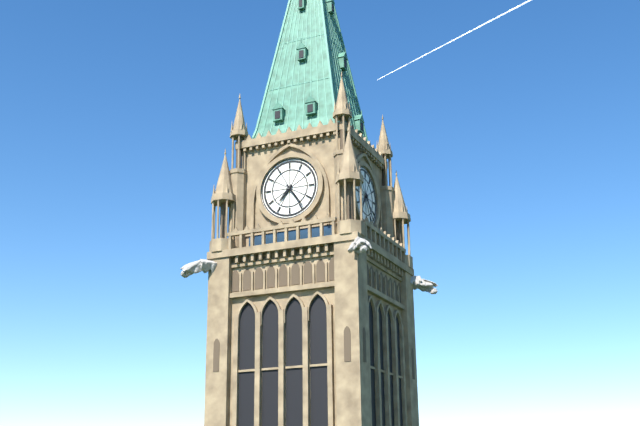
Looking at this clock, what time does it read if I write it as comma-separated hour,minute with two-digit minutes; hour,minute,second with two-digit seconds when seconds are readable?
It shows 7,24
